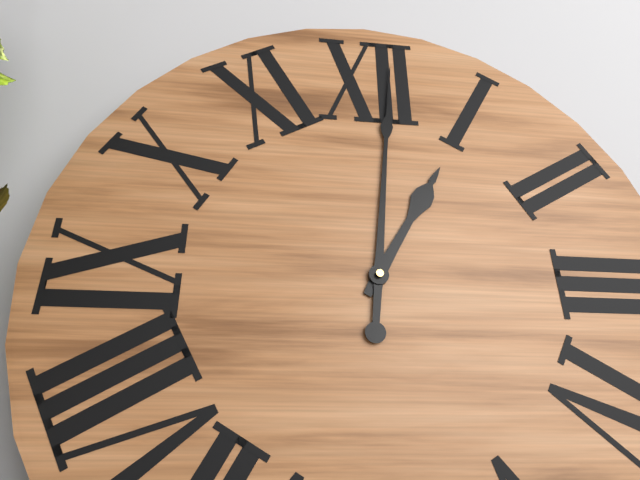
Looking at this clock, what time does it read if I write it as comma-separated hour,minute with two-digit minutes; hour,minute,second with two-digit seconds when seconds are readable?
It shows 1,01
